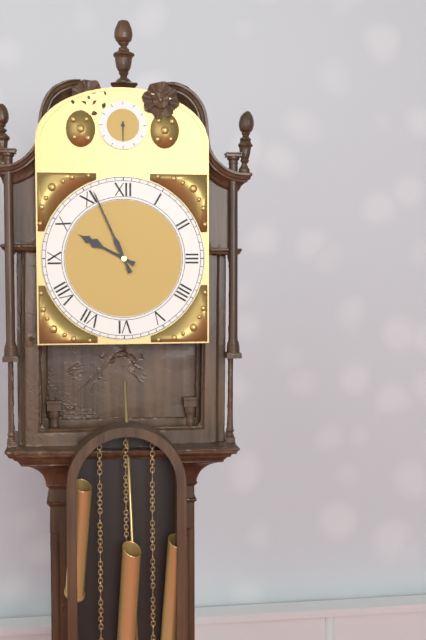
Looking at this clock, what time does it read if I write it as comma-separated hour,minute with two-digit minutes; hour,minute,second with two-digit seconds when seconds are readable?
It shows 9,56
